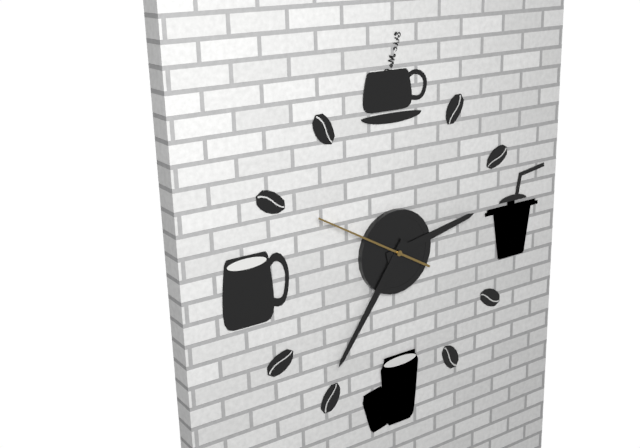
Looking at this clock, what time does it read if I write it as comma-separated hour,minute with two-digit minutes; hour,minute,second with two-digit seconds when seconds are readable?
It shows 2,36,50
